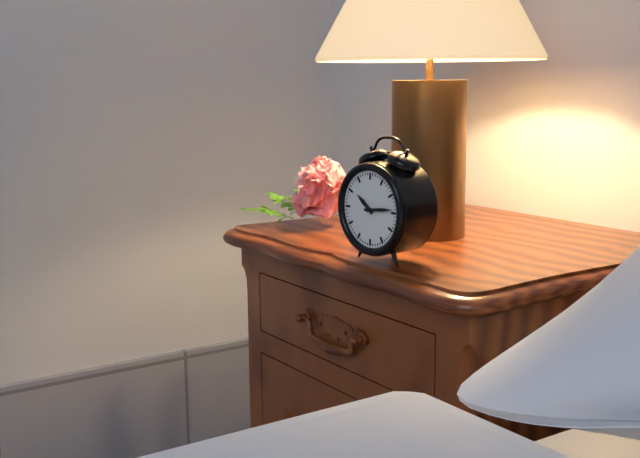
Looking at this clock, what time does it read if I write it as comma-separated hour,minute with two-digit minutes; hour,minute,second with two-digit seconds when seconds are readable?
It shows 10,14
